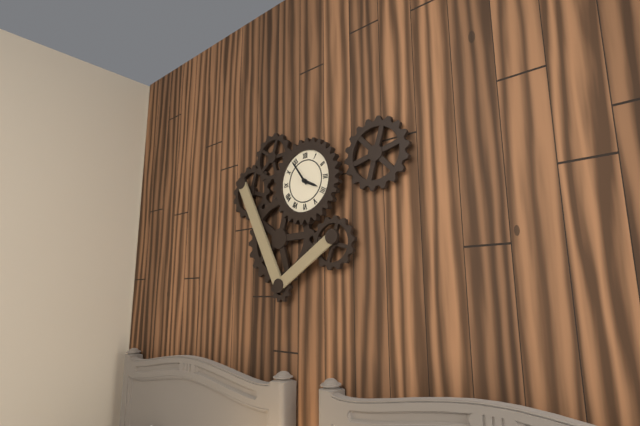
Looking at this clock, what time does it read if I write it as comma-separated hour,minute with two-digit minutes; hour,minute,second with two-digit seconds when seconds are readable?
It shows 3,54
